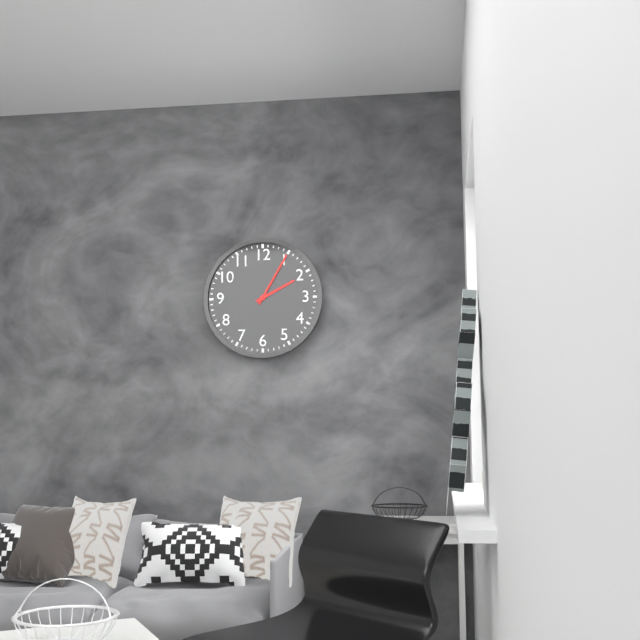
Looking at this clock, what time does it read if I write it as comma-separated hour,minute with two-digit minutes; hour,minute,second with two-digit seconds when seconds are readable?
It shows 2,05
